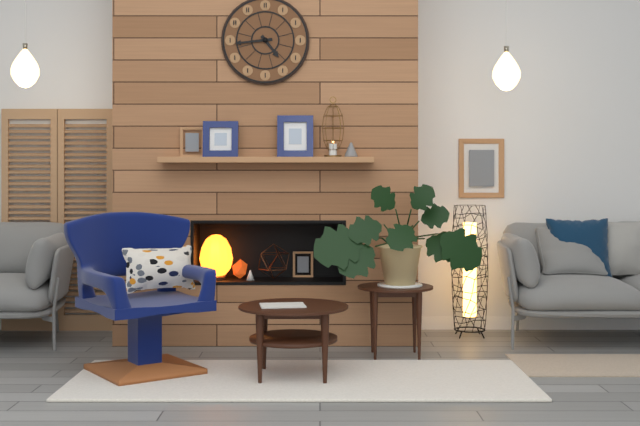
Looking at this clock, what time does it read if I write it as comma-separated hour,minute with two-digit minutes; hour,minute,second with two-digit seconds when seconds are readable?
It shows 4,44
